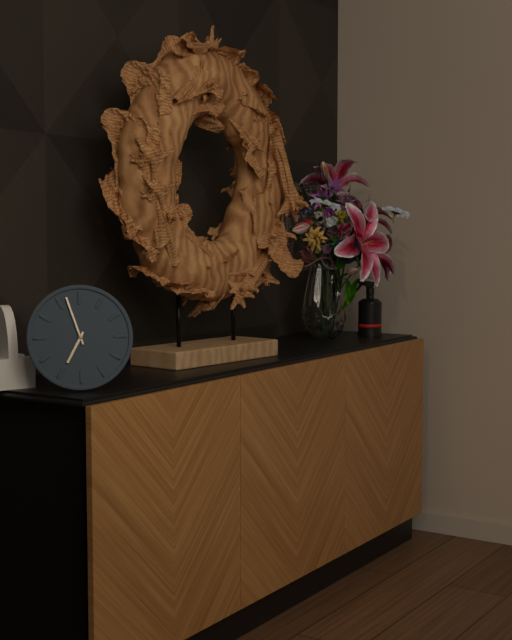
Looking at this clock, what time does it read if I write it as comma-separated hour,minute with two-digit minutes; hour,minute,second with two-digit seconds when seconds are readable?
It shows 6,57
